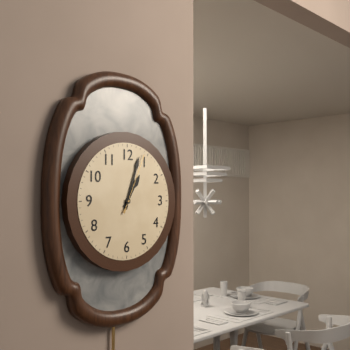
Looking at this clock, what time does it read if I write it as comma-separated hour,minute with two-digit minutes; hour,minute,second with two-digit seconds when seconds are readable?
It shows 1,03,04
